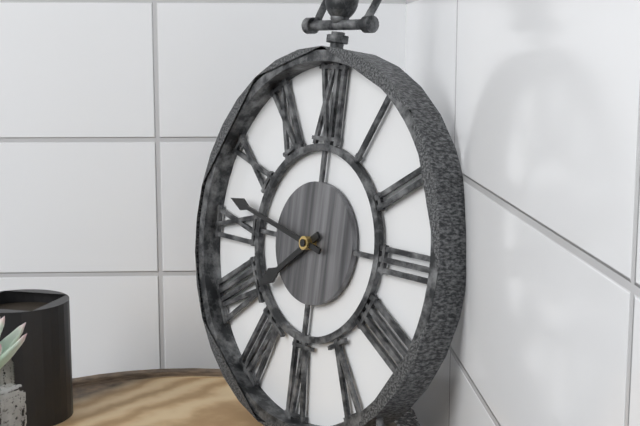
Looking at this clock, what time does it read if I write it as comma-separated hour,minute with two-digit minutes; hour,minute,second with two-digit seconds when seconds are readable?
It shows 7,47
